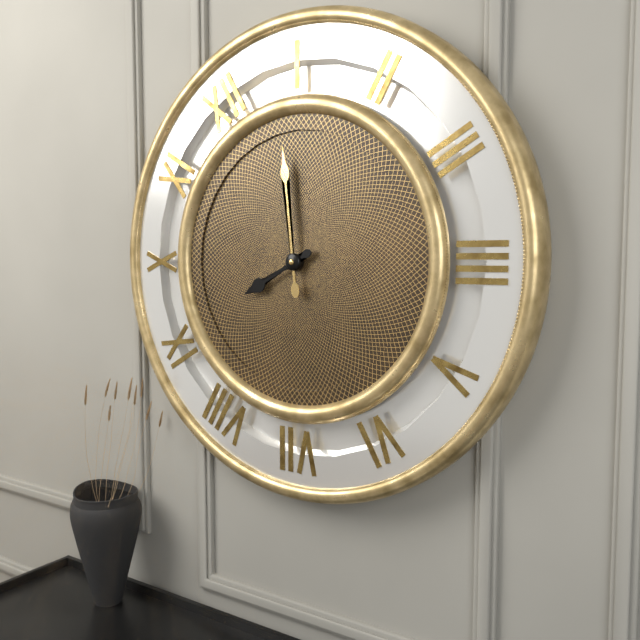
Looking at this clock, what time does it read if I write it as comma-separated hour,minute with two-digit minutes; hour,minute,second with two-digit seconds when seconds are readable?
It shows 9,04
